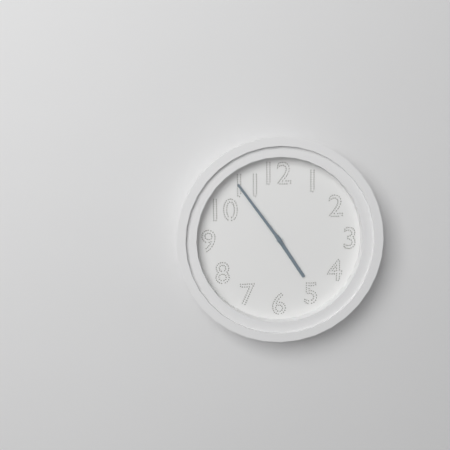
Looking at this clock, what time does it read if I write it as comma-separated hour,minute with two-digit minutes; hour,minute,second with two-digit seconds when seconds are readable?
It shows 4,54
